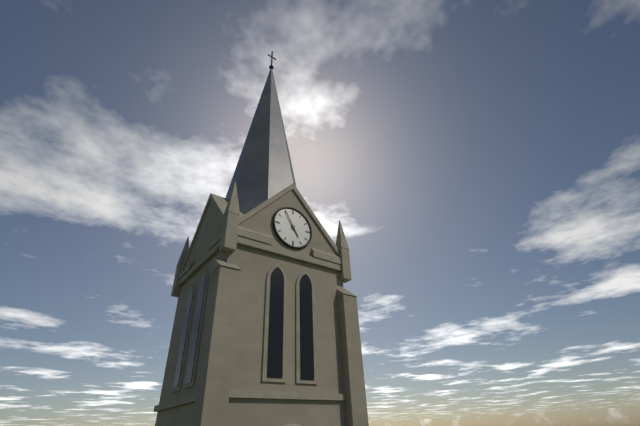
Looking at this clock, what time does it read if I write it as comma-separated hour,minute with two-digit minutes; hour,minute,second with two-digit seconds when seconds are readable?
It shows 4,55
